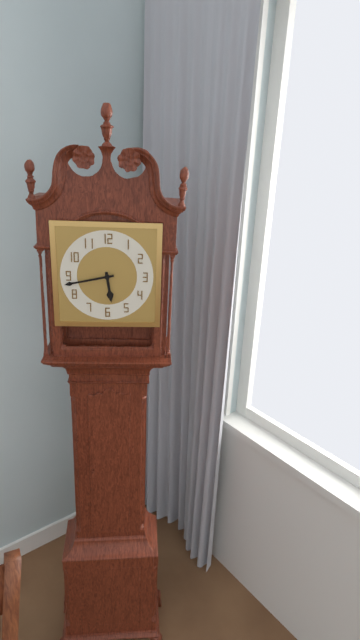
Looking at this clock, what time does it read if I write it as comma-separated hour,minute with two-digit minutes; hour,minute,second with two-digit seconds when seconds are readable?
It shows 5,43
